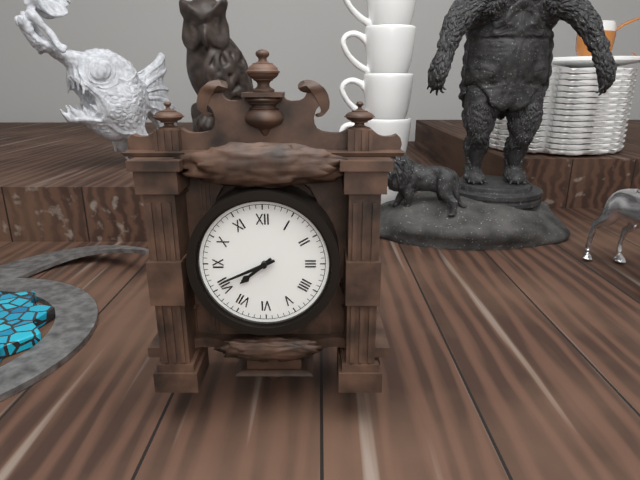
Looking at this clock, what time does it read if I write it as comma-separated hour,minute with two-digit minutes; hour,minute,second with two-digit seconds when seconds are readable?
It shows 7,41
